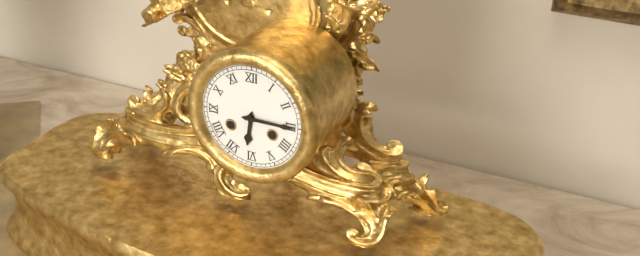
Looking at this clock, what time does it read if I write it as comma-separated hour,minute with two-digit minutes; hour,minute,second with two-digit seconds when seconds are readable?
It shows 6,15
